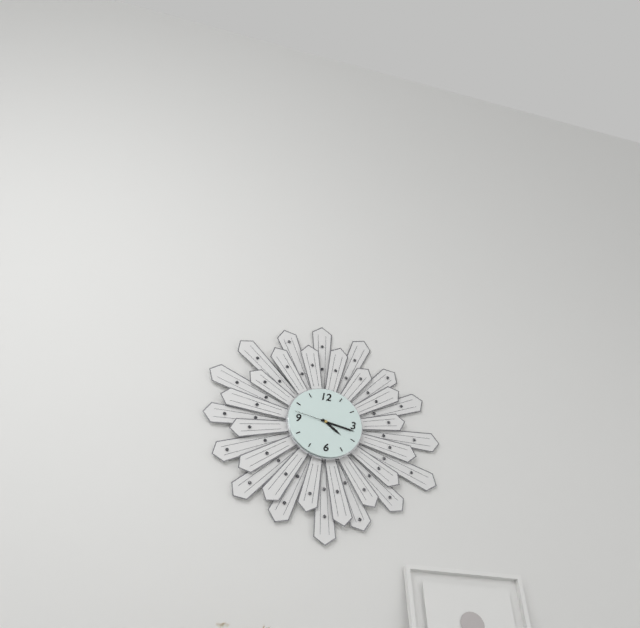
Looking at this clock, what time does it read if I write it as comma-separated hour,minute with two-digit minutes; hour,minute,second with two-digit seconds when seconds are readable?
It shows 4,17
